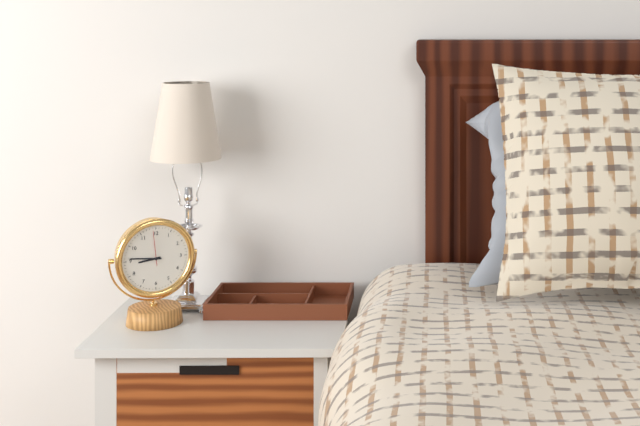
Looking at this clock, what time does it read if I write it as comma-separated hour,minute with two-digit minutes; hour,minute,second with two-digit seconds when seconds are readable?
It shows 8,46
